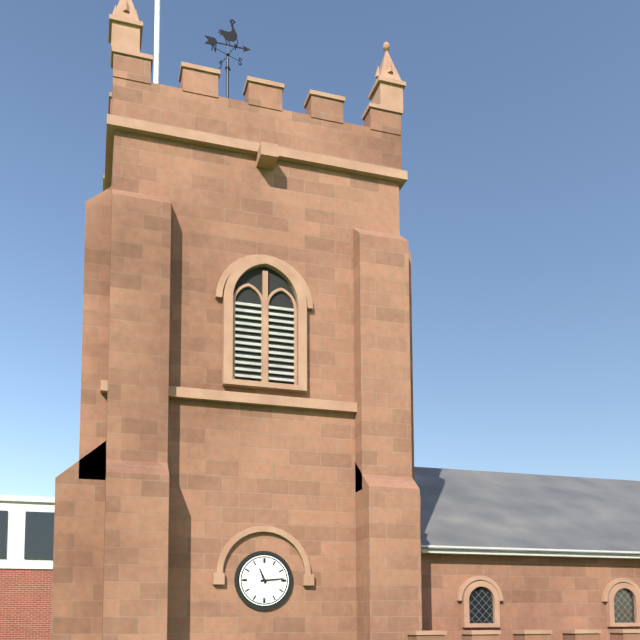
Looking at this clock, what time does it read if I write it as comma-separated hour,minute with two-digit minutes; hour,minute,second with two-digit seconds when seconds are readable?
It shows 11,14
